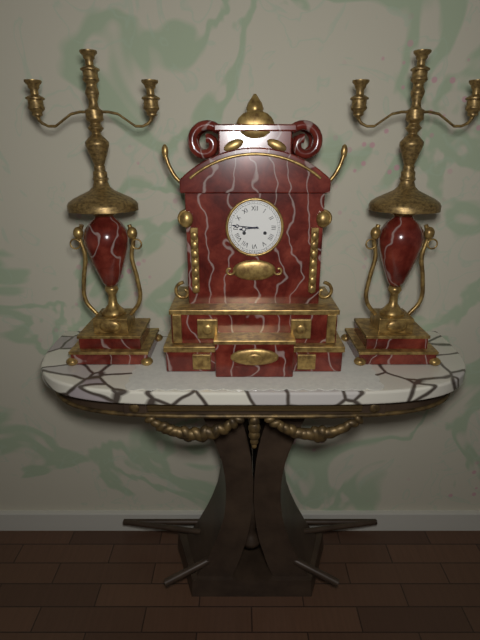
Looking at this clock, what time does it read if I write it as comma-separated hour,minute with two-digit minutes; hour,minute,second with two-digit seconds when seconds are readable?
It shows 8,46
